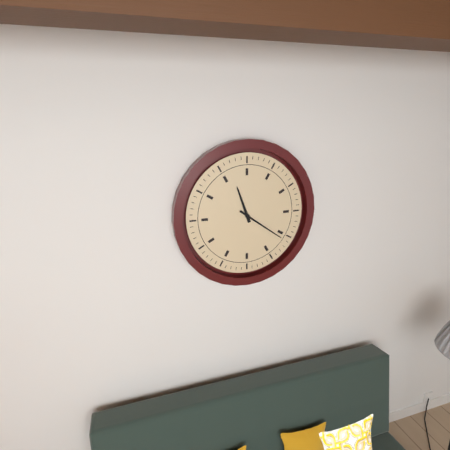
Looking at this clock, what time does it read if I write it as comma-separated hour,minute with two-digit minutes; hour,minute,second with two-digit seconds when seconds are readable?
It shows 11,21
